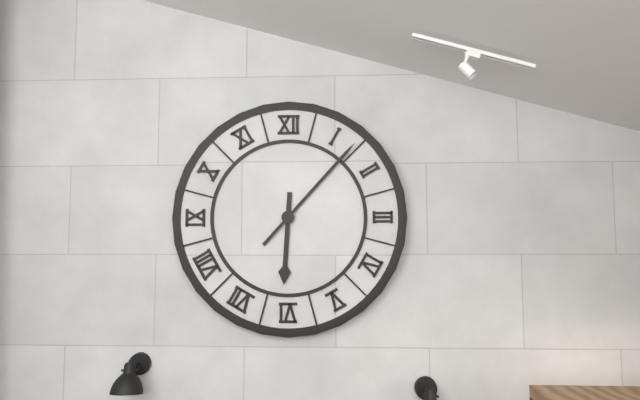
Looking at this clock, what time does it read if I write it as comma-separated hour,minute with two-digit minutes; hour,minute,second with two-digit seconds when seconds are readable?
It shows 6,07
